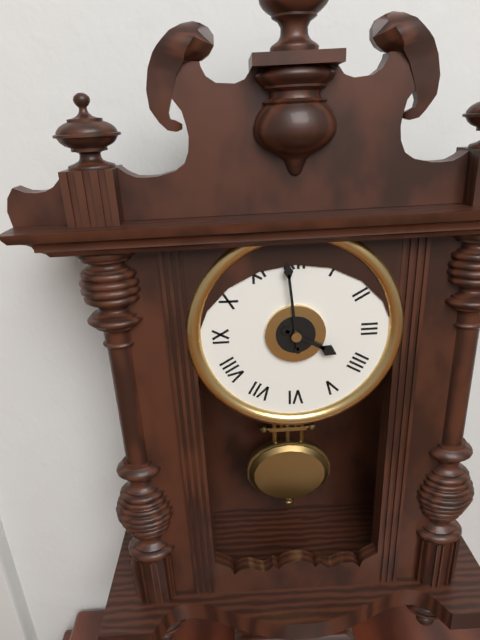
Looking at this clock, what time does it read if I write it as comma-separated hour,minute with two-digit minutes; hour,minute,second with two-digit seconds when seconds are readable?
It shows 3,59
